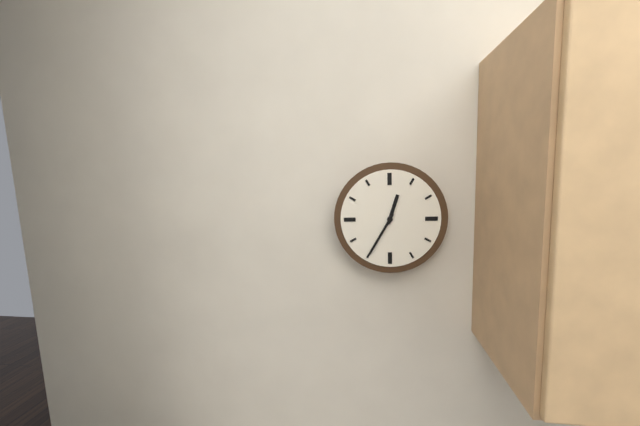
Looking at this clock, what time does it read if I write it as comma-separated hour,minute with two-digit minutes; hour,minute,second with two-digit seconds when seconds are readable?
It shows 12,35
